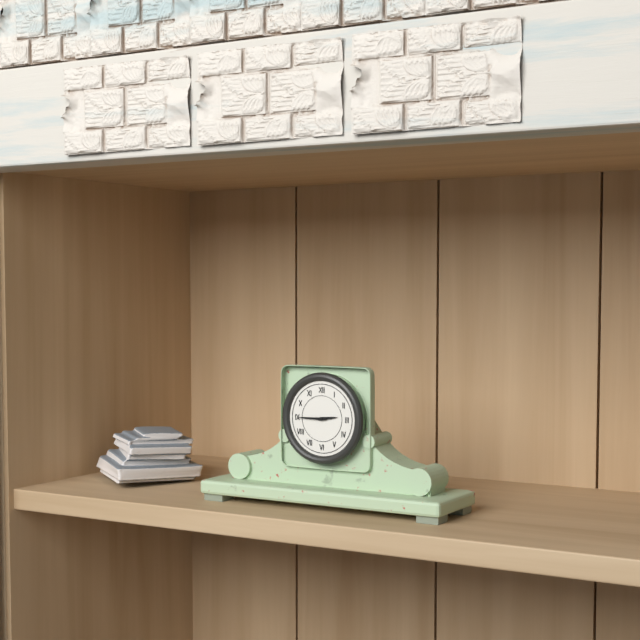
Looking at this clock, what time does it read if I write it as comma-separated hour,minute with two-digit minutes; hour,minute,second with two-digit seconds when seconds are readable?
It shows 2,45
